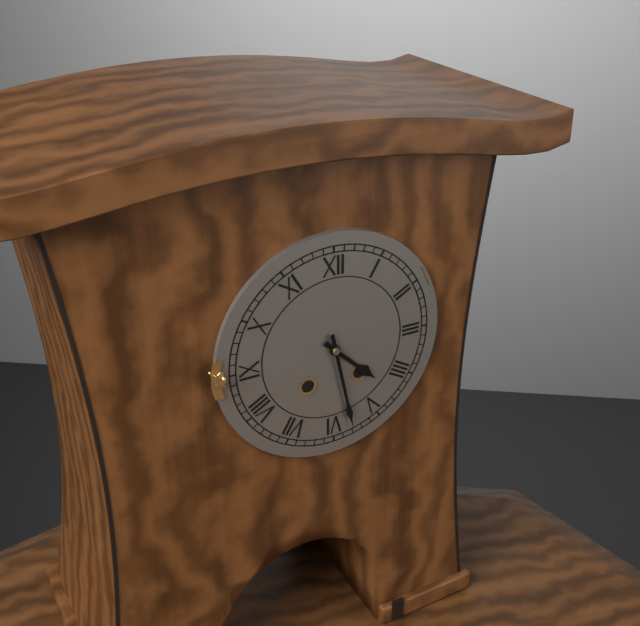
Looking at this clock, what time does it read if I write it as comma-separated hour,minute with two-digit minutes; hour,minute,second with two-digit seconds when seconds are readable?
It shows 4,28
